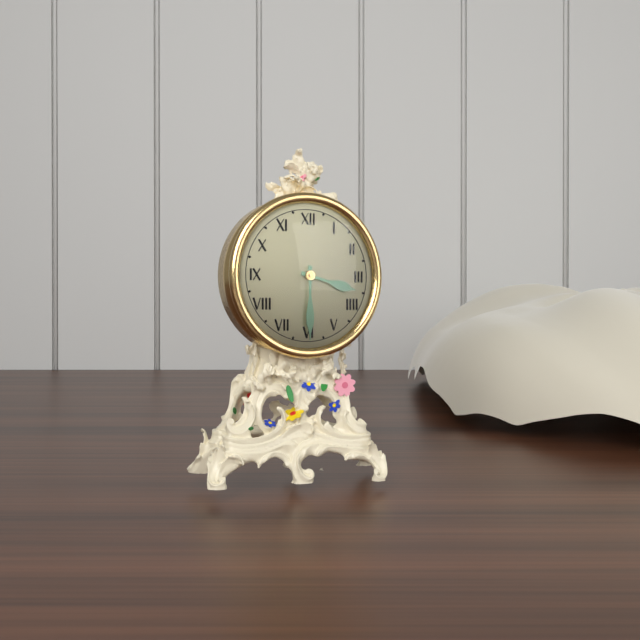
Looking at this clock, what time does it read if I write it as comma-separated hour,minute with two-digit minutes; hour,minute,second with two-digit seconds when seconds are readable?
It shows 3,30
